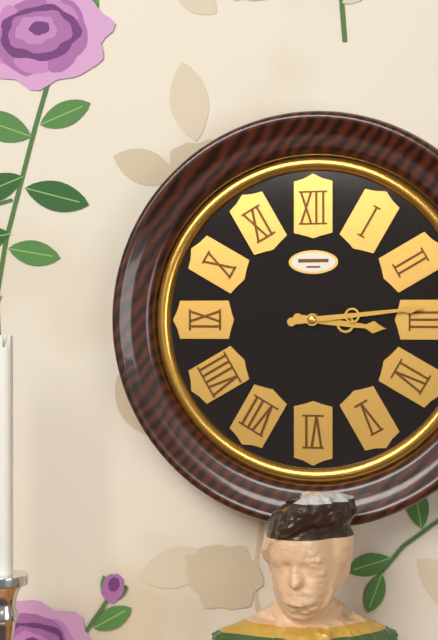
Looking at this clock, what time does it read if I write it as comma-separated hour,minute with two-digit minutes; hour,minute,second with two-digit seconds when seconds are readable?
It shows 3,14
